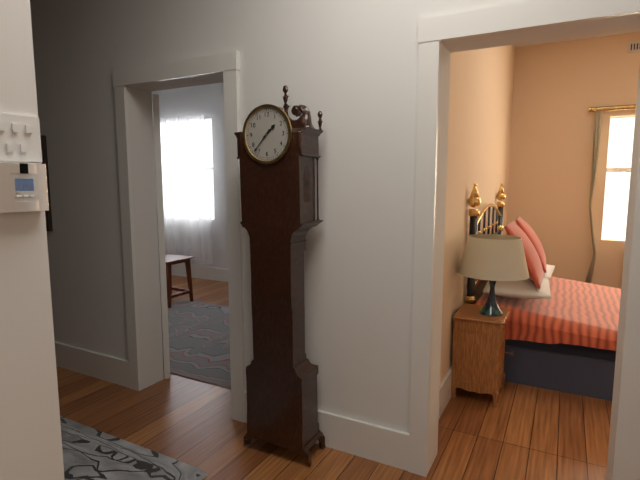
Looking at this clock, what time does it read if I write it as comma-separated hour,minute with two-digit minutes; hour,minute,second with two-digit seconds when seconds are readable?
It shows 1,37
